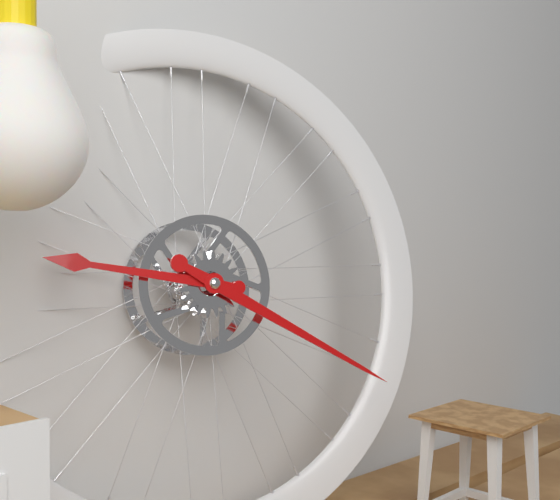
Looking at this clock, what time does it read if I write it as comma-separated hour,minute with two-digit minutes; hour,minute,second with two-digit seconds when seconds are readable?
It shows 9,20
